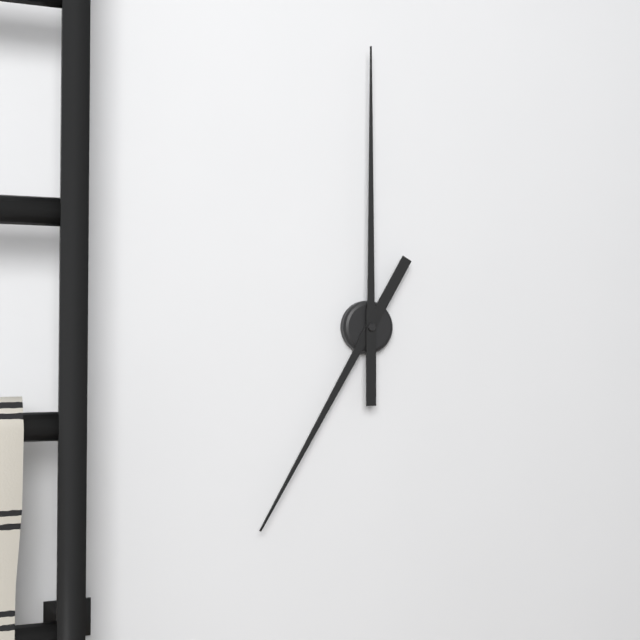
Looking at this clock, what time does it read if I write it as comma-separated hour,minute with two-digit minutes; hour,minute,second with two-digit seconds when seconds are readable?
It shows 7,00
